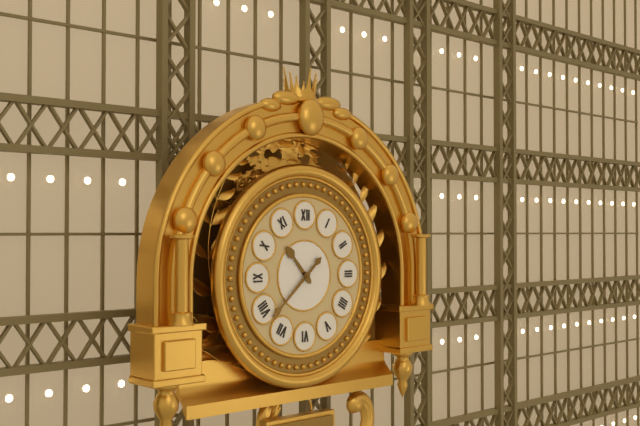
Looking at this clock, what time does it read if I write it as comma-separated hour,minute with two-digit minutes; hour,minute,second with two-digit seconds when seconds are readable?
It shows 10,38
